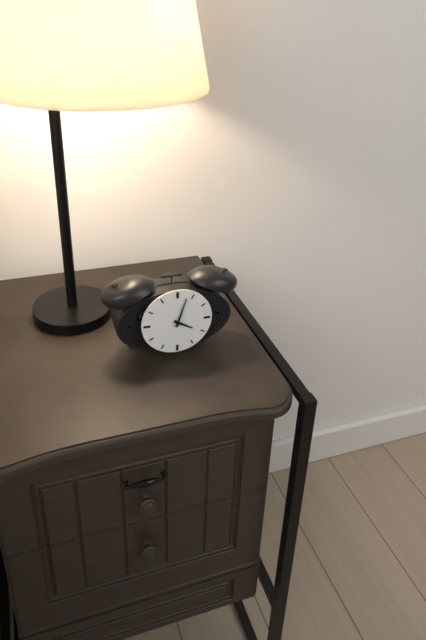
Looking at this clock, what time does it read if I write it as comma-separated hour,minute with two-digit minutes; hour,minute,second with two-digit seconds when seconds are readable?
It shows 4,03
